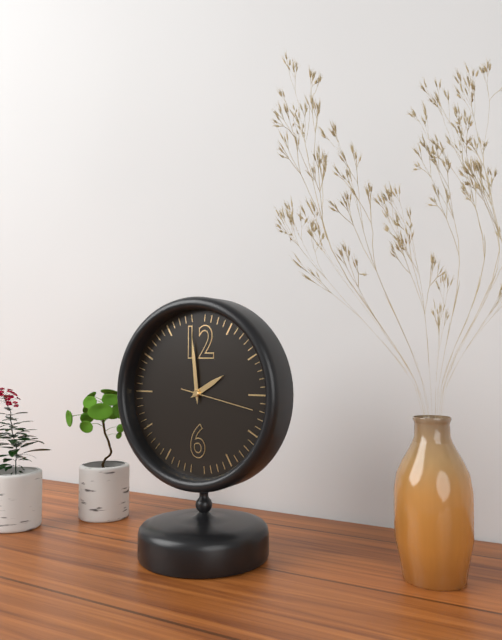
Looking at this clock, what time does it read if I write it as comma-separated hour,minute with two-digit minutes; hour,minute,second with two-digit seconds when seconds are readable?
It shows 1,59,17
